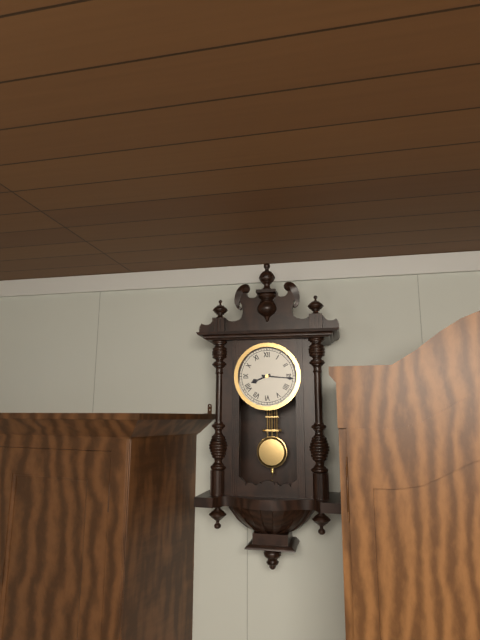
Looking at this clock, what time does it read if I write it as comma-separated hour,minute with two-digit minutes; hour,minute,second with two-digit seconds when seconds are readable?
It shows 8,16
